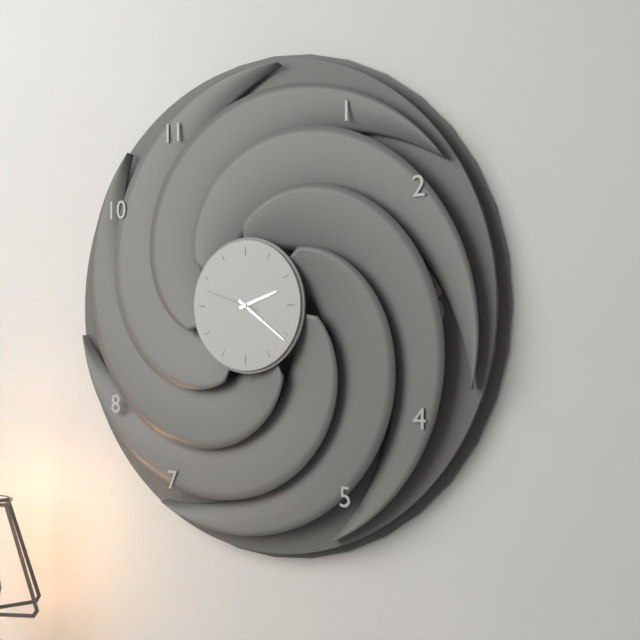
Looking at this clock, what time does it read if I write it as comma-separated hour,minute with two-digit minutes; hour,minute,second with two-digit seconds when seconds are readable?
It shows 2,21,48
